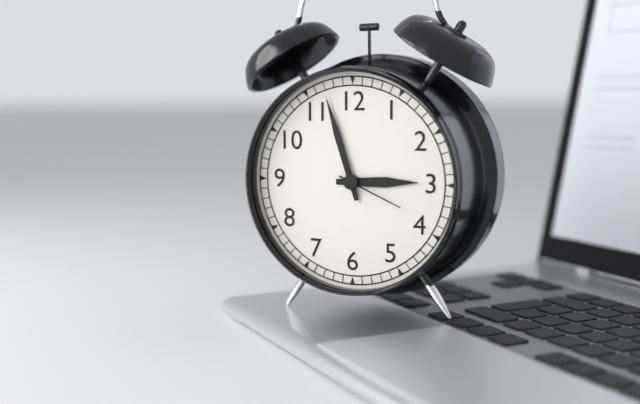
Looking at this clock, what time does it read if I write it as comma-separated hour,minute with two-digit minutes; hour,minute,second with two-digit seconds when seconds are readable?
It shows 2,57,19
